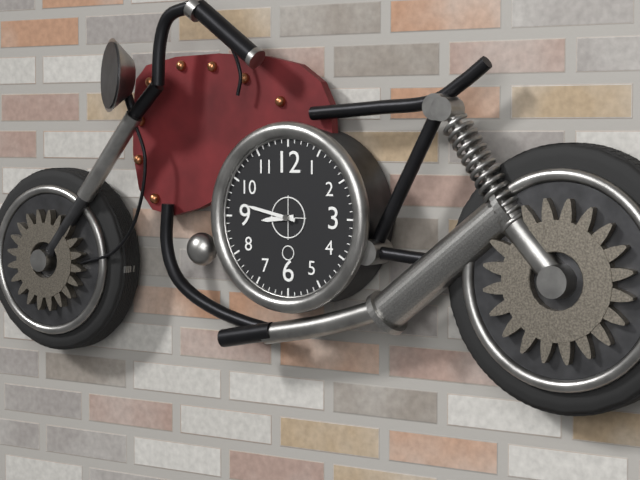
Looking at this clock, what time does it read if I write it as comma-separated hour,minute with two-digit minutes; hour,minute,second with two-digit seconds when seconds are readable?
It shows 8,47
